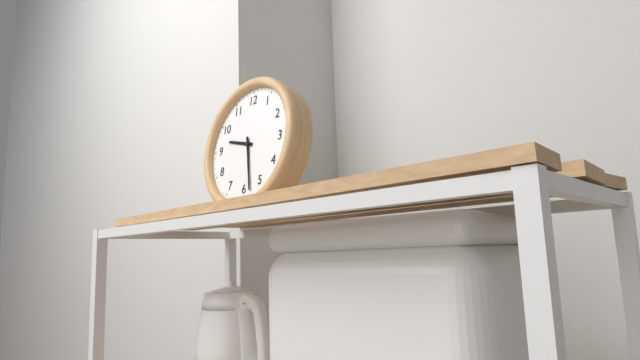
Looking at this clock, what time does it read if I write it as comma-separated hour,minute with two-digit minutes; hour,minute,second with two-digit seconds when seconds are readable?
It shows 9,28
